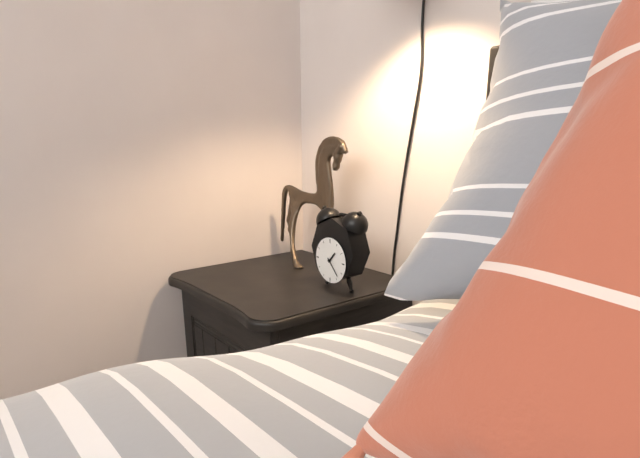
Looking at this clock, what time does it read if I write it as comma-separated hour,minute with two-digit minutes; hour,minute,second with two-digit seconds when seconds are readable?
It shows 1,23
